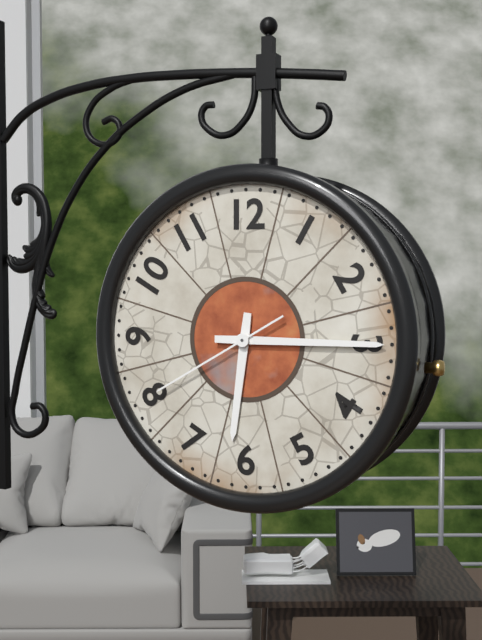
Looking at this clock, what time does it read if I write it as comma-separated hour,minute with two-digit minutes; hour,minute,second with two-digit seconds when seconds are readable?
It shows 6,15,40
